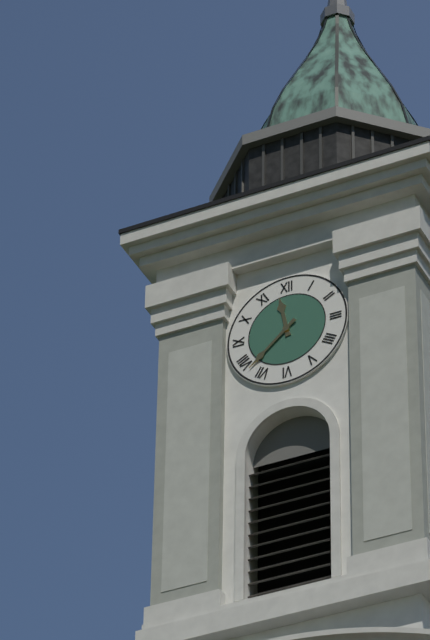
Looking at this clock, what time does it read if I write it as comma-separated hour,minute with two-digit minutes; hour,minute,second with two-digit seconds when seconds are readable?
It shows 11,38
